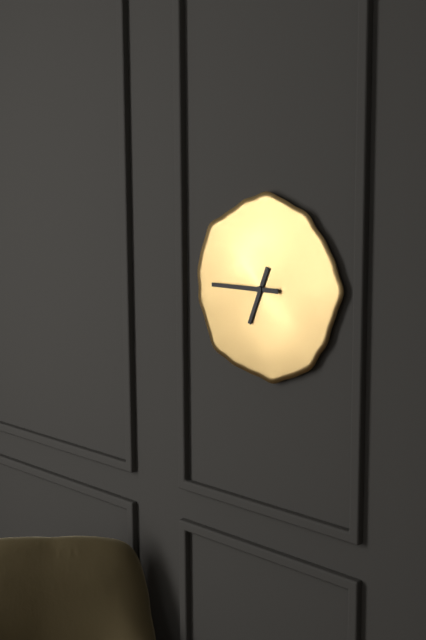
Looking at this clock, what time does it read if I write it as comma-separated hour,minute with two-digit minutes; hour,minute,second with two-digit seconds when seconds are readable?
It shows 6,45
